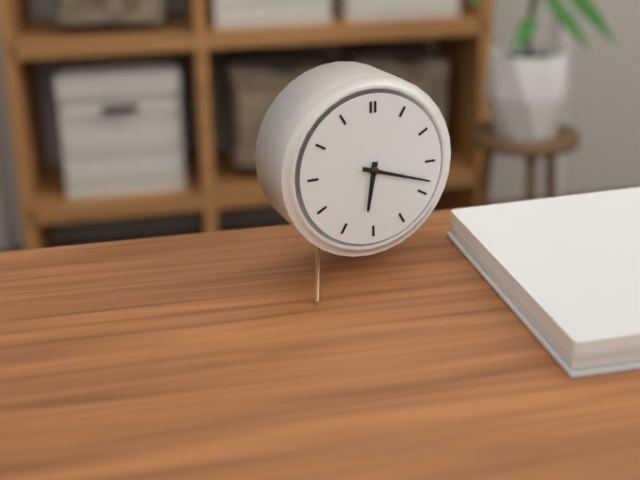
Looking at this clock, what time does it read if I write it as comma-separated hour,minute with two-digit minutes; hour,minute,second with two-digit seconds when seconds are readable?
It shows 6,18
